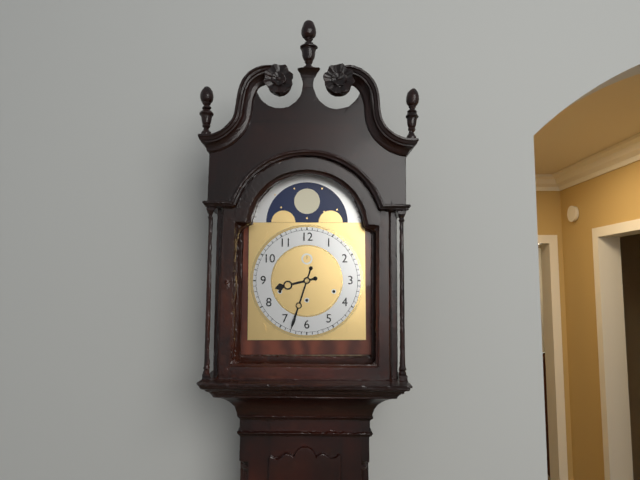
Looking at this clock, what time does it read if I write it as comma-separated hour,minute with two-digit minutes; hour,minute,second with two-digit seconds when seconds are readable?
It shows 8,33
